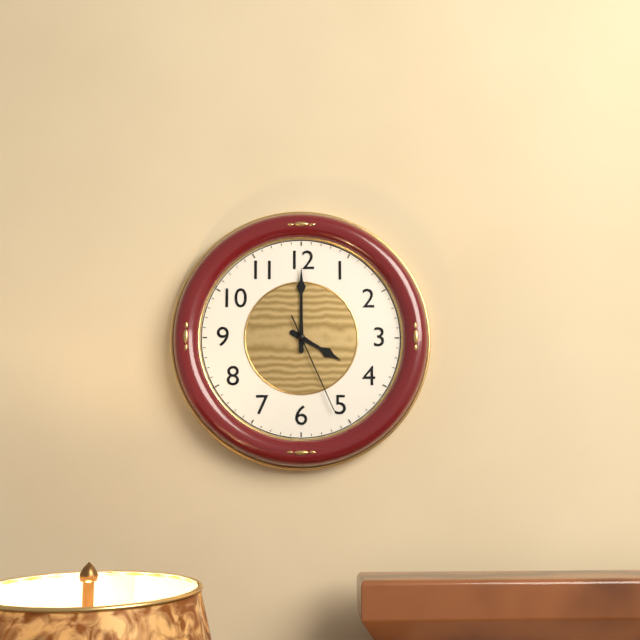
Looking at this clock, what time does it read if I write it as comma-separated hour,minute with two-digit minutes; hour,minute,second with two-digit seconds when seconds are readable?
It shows 4,00,26
